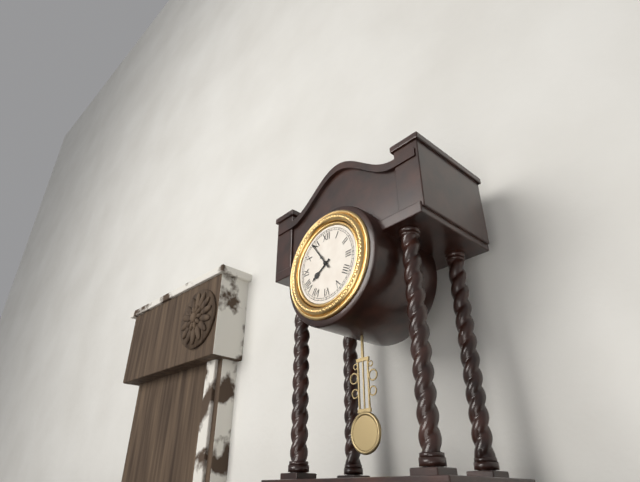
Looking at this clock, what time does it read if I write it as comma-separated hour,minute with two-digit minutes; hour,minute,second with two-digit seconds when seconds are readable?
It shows 7,54
